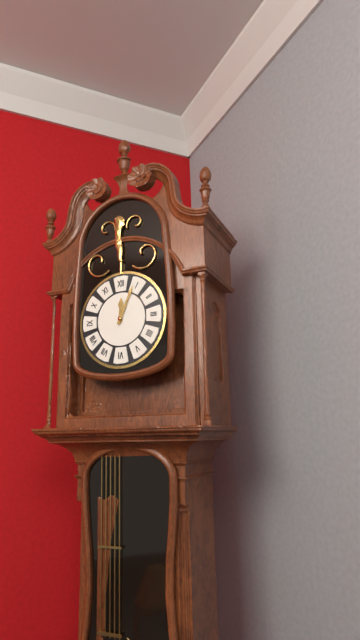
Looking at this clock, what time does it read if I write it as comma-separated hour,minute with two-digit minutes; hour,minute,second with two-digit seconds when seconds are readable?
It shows 12,04
